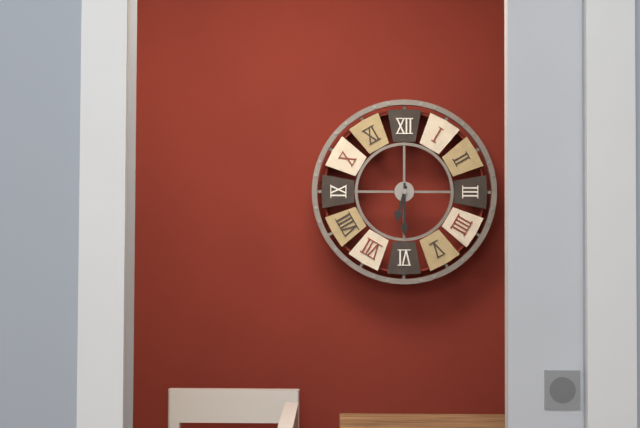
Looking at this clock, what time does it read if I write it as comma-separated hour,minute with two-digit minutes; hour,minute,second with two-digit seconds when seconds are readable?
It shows 6,30
